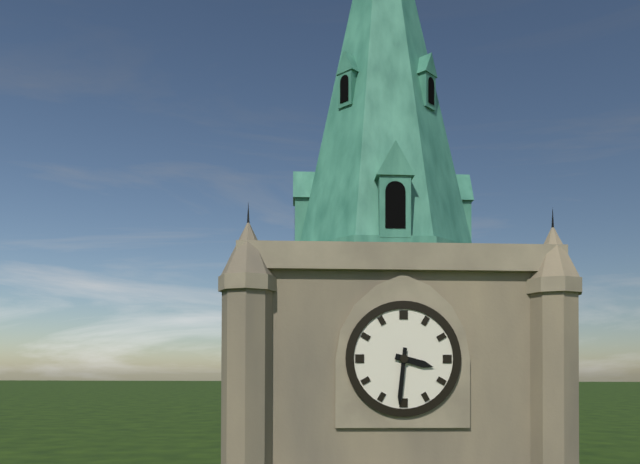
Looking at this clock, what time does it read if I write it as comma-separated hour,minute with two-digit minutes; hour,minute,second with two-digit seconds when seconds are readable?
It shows 3,31
